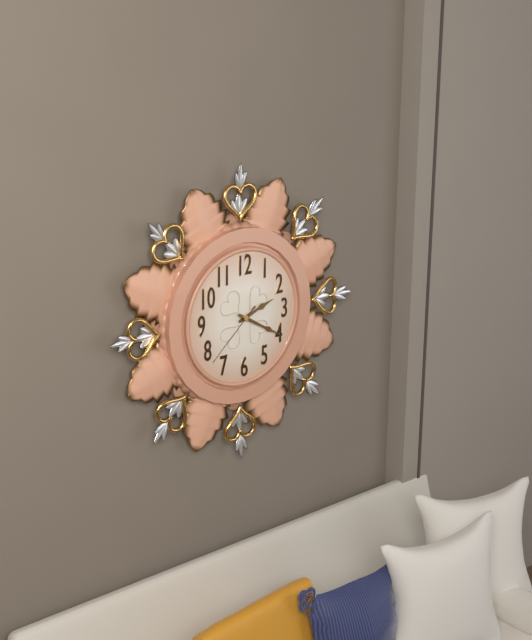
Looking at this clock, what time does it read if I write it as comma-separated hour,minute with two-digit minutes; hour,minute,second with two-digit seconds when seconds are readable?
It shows 2,20,38
